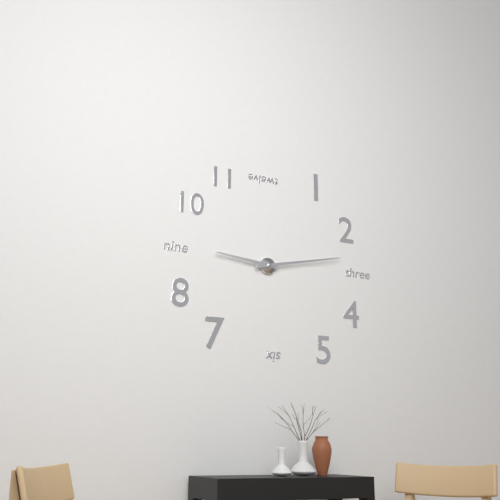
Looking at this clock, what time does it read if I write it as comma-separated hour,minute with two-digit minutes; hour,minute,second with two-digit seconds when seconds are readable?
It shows 9,13
